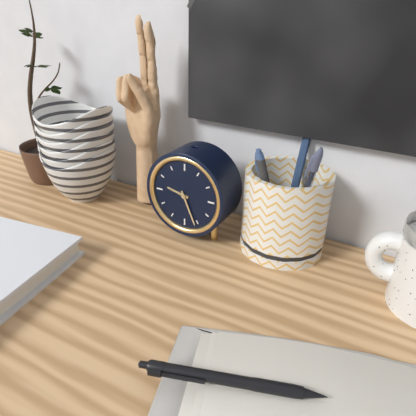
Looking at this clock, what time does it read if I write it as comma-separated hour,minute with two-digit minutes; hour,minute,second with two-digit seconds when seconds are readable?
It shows 9,26
